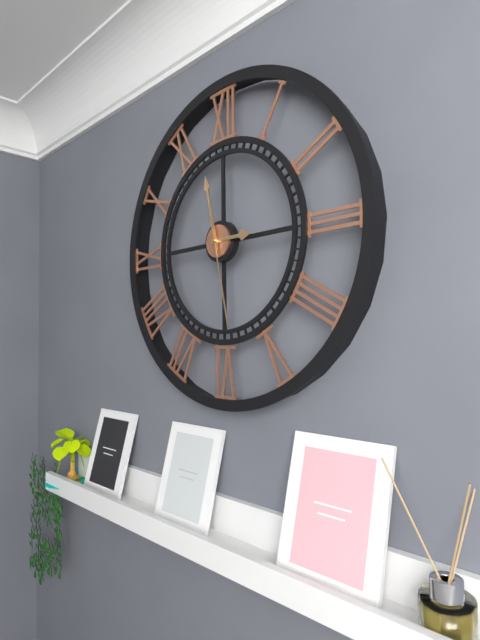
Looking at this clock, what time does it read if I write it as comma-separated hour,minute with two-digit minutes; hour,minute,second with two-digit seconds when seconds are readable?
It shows 2,58,28
